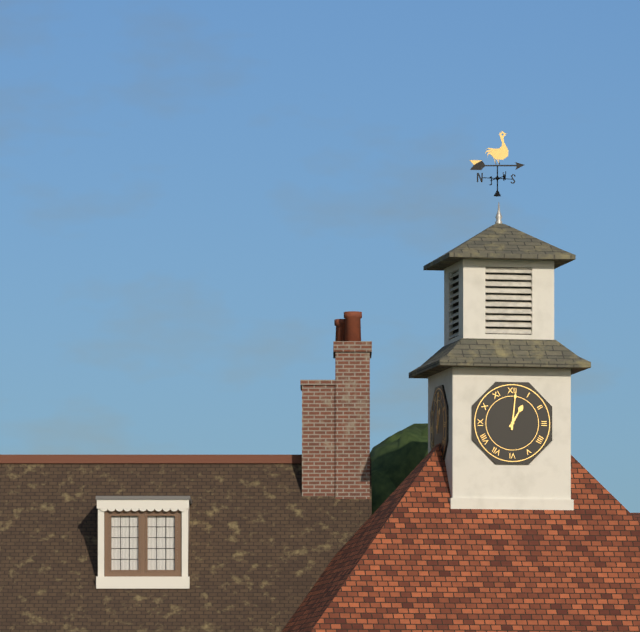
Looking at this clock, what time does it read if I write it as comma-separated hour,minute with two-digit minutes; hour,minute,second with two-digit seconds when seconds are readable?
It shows 1,01
